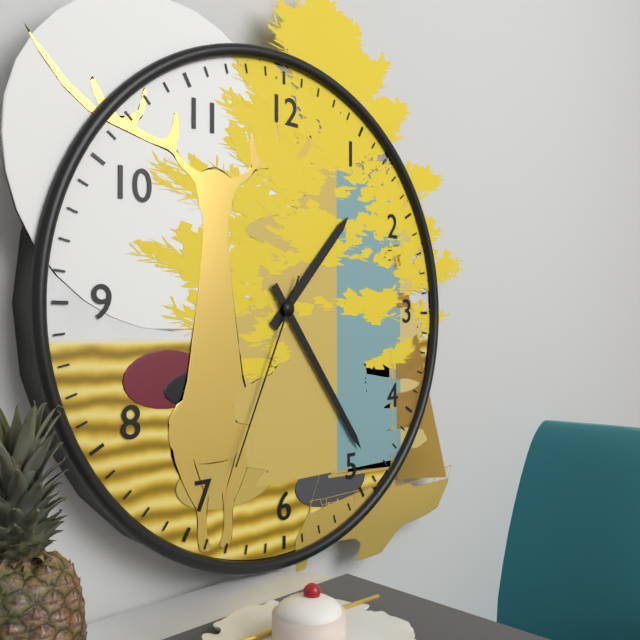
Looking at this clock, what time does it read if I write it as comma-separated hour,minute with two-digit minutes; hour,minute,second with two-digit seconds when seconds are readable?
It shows 1,24,34
